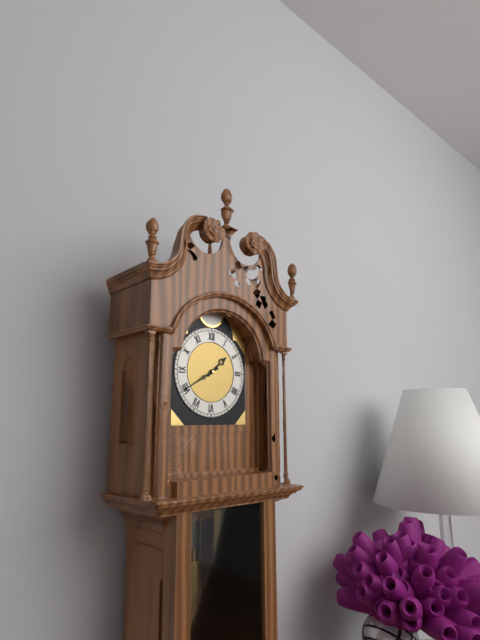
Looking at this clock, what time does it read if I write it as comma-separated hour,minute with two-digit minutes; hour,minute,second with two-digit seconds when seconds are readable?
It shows 1,40
